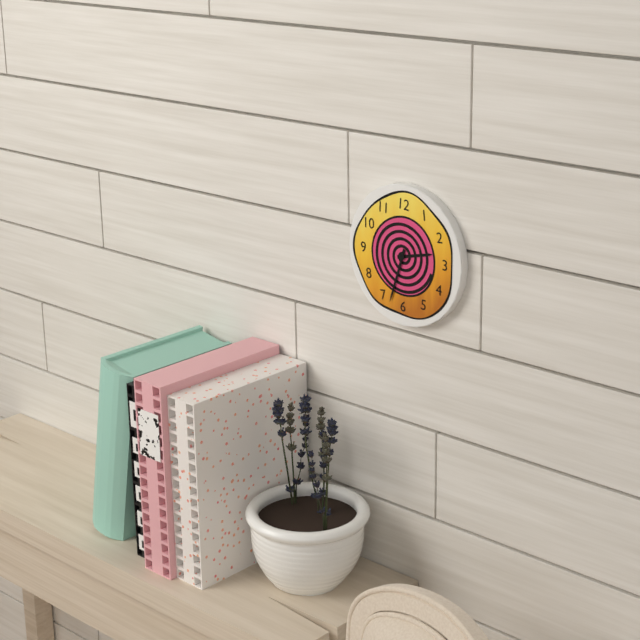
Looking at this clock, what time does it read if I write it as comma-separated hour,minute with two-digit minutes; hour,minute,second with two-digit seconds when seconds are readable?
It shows 2,33
